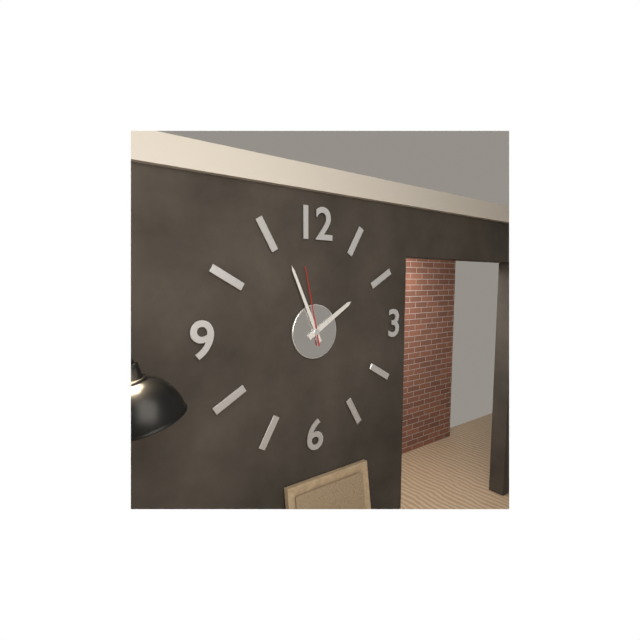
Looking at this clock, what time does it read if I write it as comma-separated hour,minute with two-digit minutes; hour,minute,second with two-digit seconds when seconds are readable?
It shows 1,56,58
